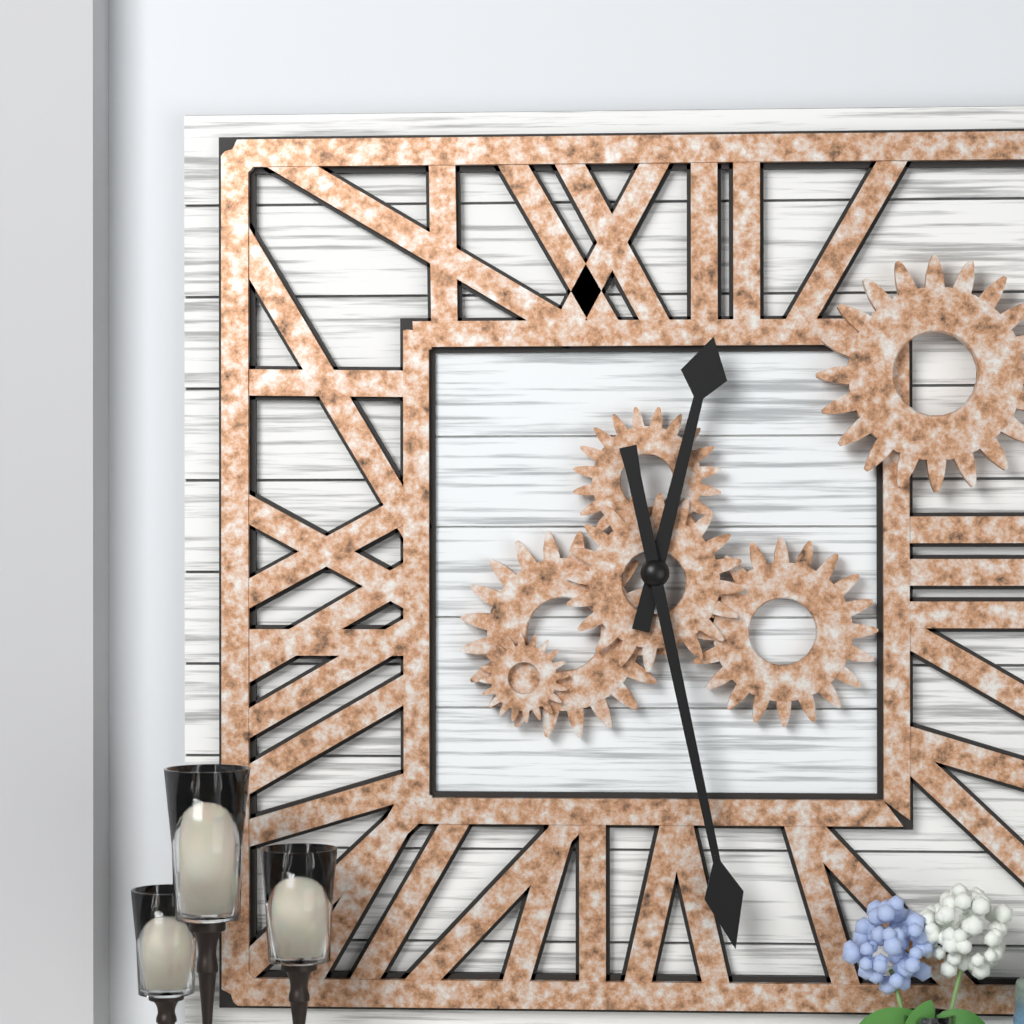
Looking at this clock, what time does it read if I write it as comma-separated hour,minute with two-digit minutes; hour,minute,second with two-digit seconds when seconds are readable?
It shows 12,28
